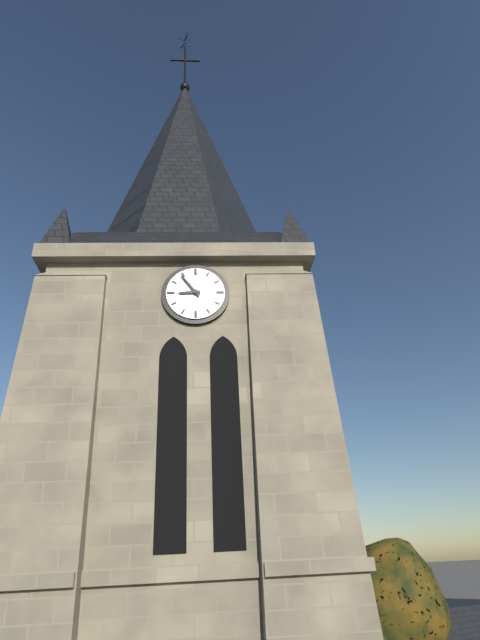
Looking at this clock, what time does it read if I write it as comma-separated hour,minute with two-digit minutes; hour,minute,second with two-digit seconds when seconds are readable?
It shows 8,54
